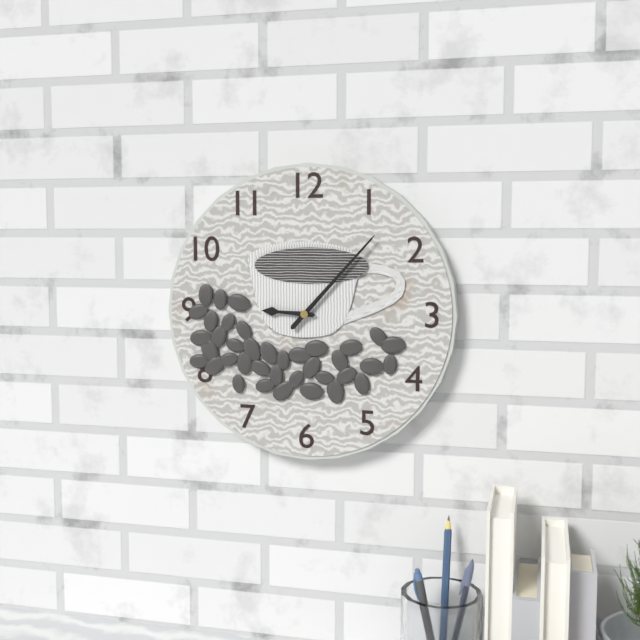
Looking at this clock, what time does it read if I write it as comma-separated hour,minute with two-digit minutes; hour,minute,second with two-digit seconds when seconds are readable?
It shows 9,07
